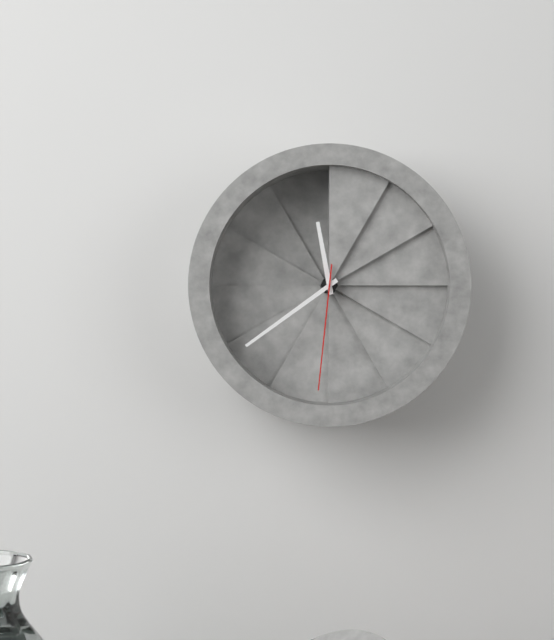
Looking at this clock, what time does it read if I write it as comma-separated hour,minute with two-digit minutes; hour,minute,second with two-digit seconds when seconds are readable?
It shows 11,39,31
